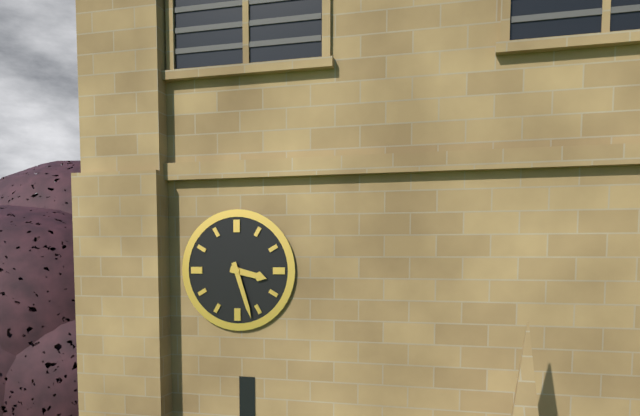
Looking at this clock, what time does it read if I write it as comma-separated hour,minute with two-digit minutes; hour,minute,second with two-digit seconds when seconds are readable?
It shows 3,27
